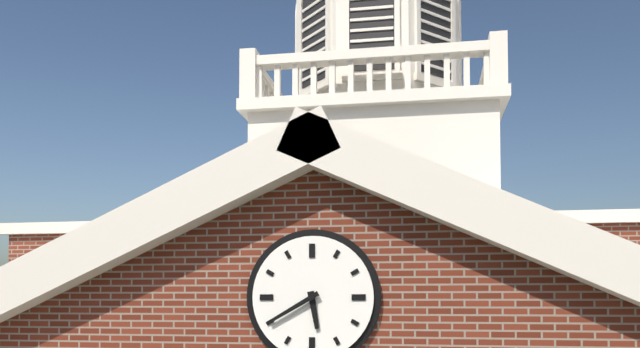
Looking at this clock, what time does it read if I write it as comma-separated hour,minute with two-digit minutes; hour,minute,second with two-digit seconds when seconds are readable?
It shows 5,40
